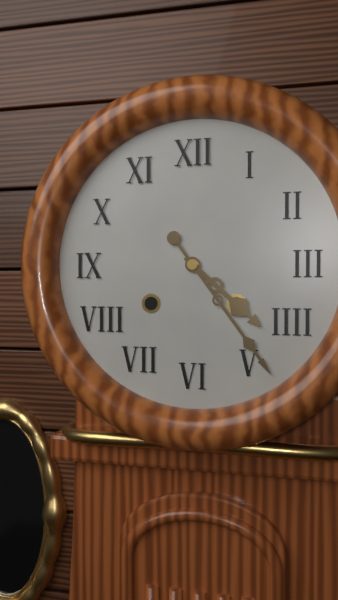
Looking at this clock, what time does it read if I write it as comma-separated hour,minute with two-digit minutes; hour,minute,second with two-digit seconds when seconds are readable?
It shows 4,24
